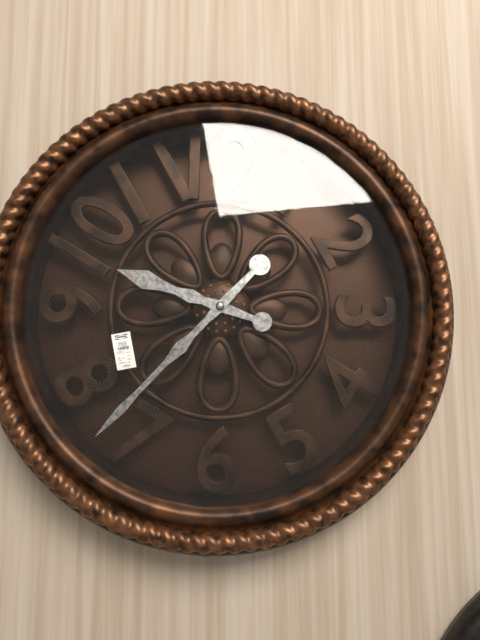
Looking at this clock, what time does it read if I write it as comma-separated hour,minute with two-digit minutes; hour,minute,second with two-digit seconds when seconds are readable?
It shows 9,37
